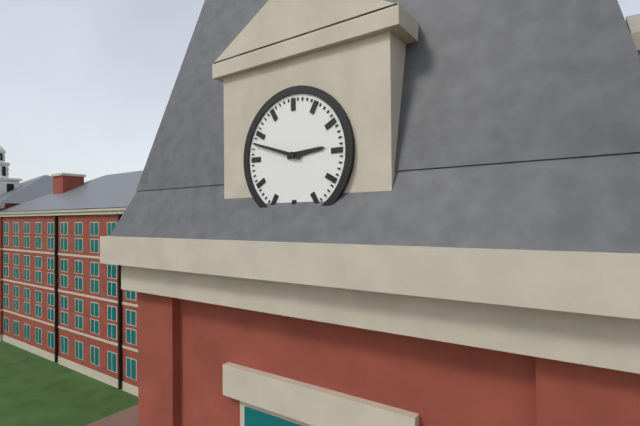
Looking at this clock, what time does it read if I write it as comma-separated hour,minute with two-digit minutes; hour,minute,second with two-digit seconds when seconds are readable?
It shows 2,48
